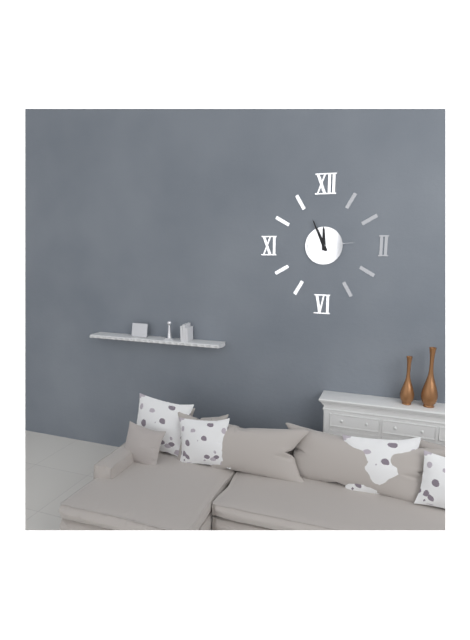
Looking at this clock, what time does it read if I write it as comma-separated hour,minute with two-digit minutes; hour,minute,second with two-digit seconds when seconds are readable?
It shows 11,56
